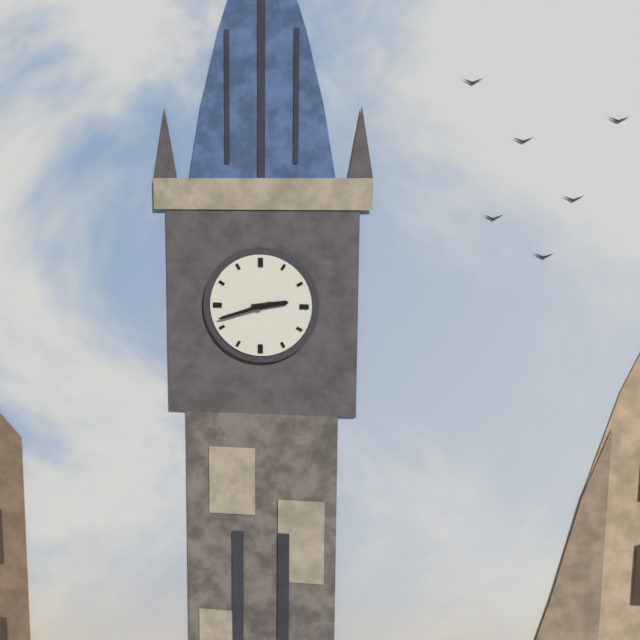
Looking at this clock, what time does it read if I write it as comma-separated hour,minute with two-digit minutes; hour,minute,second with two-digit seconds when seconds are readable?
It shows 2,42
